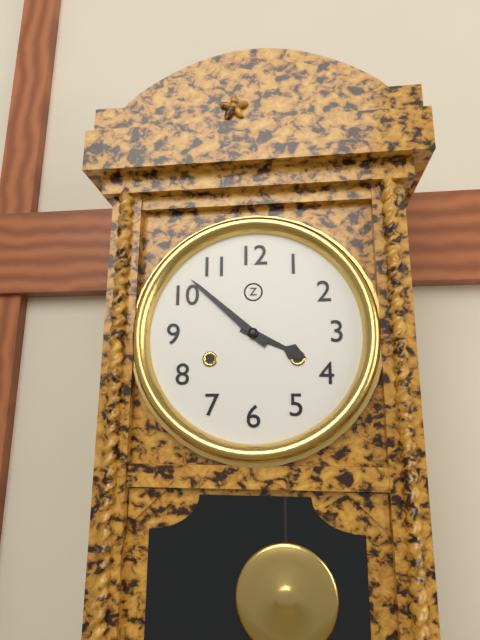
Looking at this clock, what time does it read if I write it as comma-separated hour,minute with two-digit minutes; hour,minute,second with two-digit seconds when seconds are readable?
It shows 3,52
